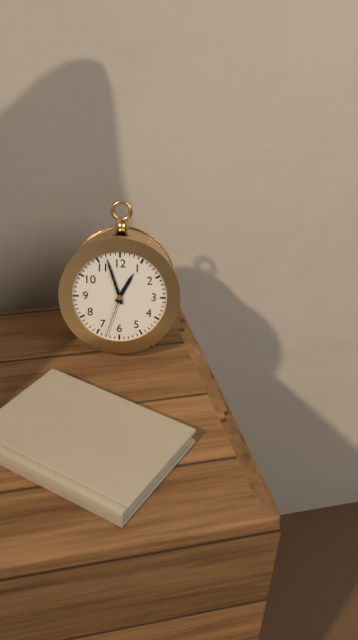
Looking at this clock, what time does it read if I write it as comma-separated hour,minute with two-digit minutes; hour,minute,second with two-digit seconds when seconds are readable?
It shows 12,57,33
